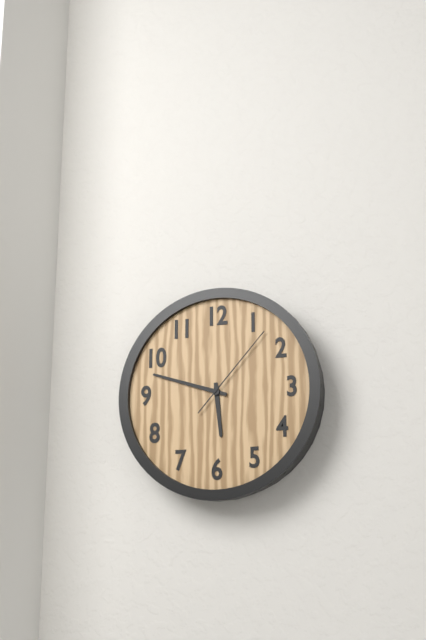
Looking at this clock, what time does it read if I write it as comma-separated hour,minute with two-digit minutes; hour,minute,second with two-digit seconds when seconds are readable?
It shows 5,48,07
